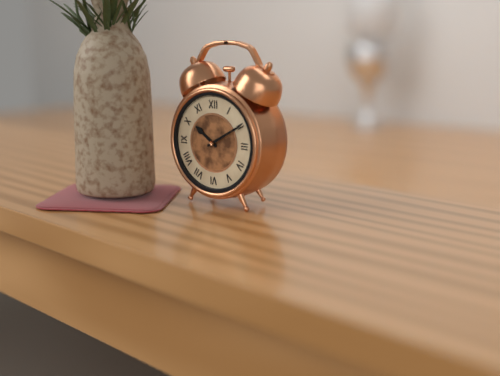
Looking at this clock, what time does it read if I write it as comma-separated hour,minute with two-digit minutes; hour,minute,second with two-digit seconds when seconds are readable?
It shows 10,10
